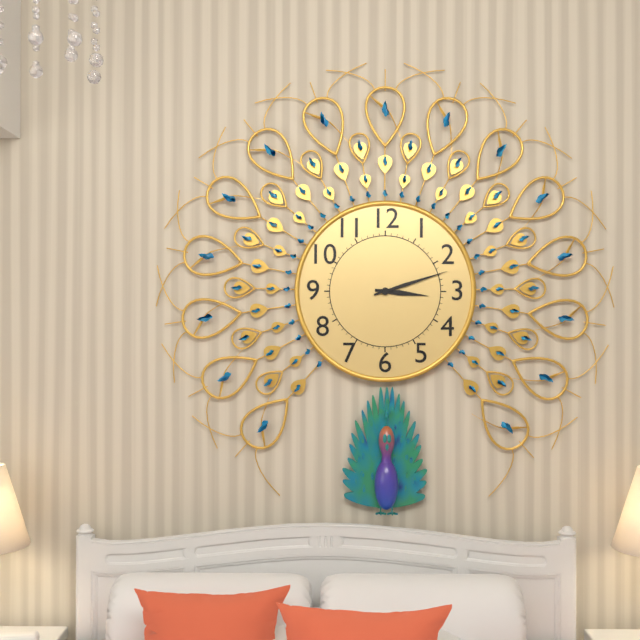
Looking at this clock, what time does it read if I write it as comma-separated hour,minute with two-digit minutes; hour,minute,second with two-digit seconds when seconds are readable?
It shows 3,12
